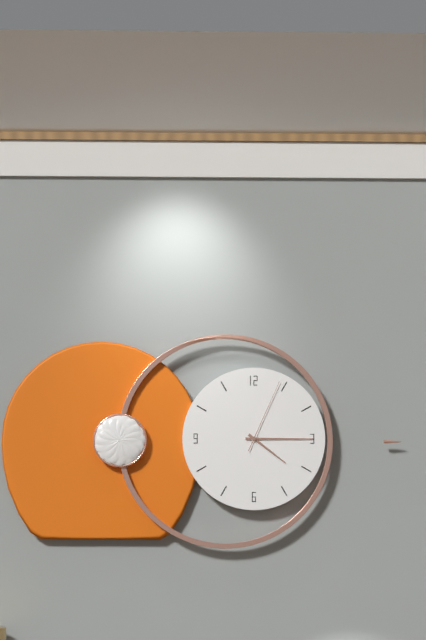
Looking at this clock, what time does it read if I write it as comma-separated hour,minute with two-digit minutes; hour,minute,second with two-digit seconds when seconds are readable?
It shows 4,15,04
